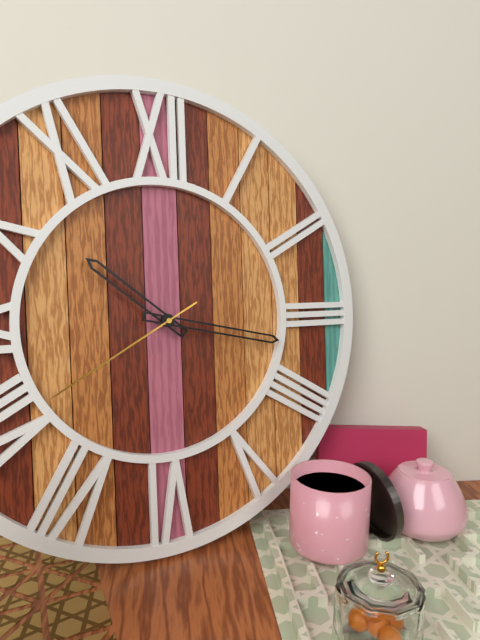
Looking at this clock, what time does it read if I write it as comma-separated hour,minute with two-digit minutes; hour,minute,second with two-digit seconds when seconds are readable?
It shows 10,17,40
